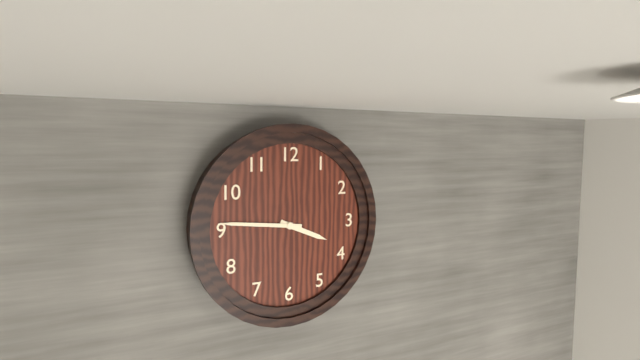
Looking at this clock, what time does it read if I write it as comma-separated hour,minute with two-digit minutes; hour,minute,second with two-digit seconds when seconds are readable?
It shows 3,46
